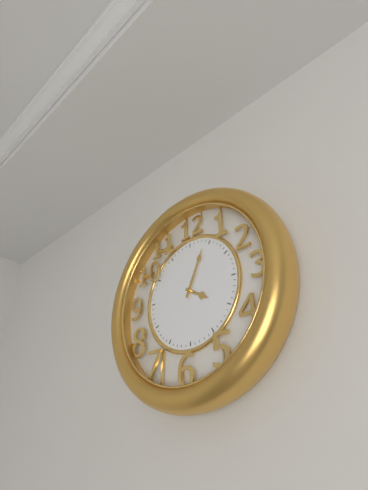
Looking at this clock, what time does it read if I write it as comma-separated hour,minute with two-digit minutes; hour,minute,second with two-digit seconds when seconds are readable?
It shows 4,04
